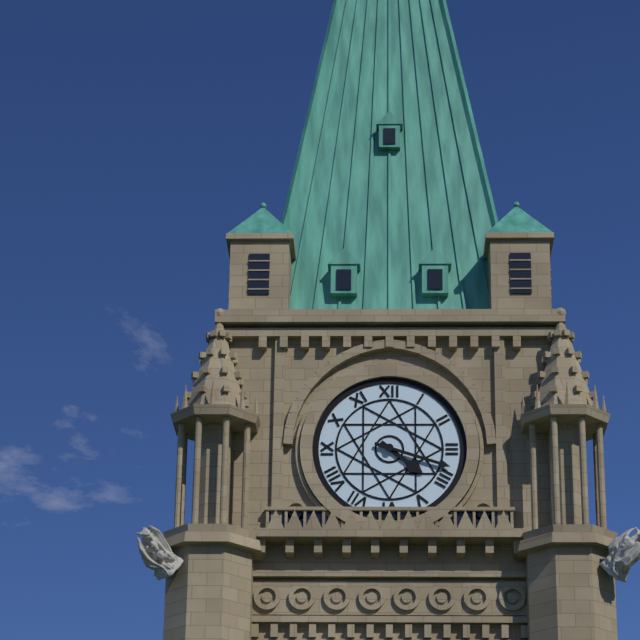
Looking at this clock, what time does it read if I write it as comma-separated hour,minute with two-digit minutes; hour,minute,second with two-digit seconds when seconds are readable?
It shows 4,18
